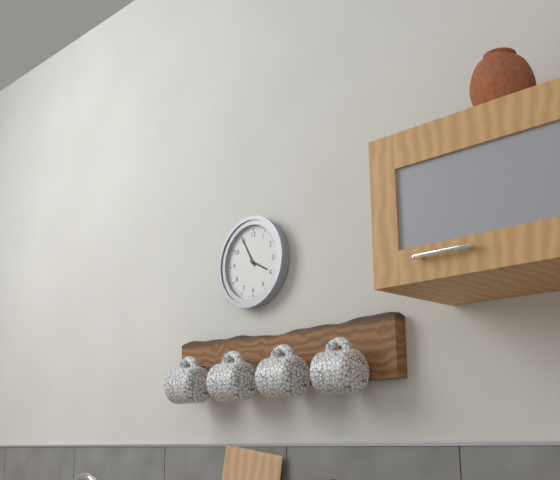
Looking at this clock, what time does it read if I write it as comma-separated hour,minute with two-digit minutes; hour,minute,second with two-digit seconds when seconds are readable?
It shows 3,55
